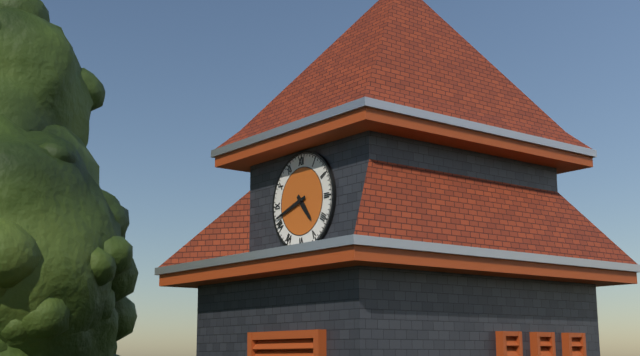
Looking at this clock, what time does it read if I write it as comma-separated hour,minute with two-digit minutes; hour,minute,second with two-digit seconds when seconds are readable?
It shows 4,42
